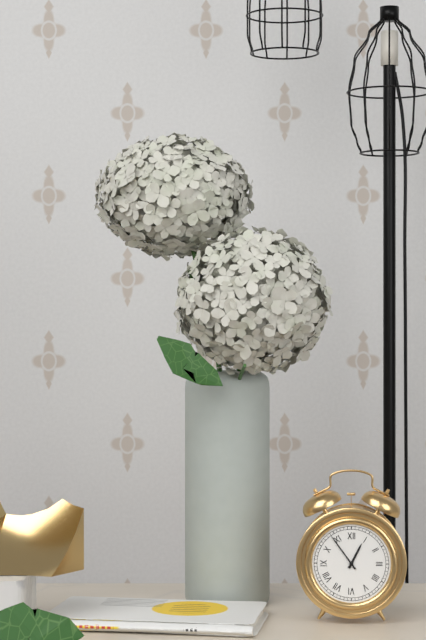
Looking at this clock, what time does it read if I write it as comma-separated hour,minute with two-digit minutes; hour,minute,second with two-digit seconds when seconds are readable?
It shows 12,54
